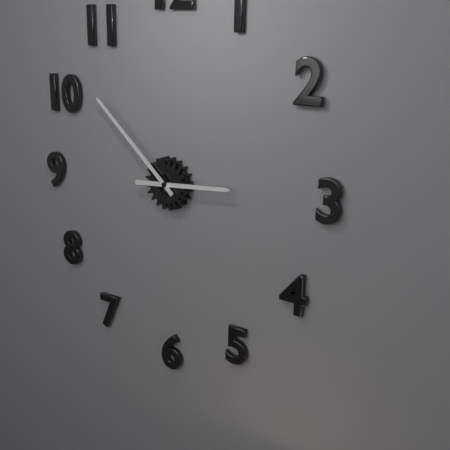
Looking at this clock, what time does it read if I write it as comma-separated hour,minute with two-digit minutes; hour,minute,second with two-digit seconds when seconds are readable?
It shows 2,52
